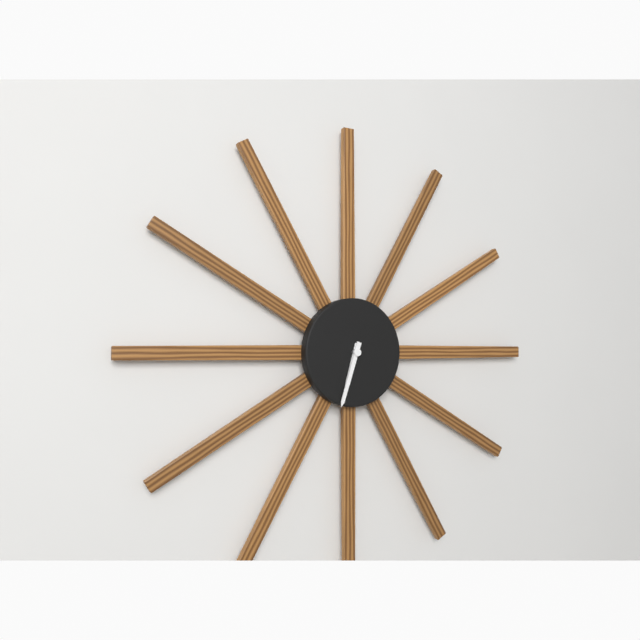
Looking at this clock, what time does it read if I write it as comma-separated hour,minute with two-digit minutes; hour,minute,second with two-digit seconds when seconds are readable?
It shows 6,33
